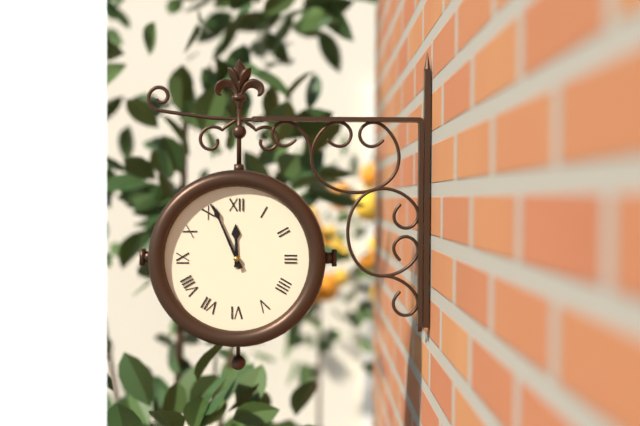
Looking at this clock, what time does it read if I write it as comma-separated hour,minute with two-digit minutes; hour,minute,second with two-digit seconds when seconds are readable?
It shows 11,56
